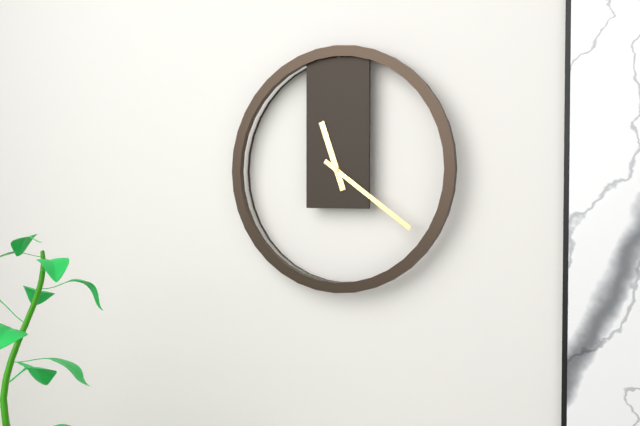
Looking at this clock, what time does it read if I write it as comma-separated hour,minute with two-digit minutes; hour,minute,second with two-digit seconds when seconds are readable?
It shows 11,21
